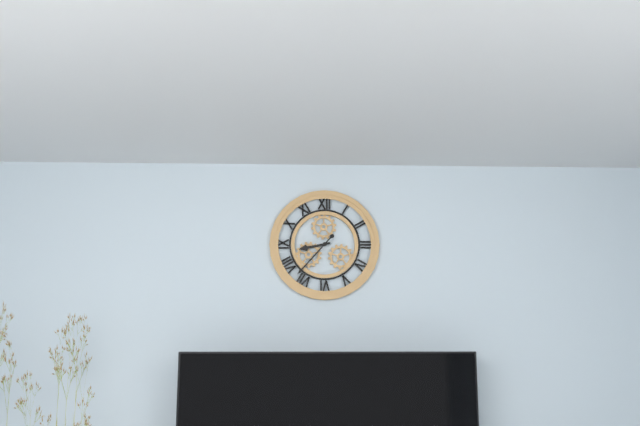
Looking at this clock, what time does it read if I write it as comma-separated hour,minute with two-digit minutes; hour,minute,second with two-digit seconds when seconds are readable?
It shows 8,37
